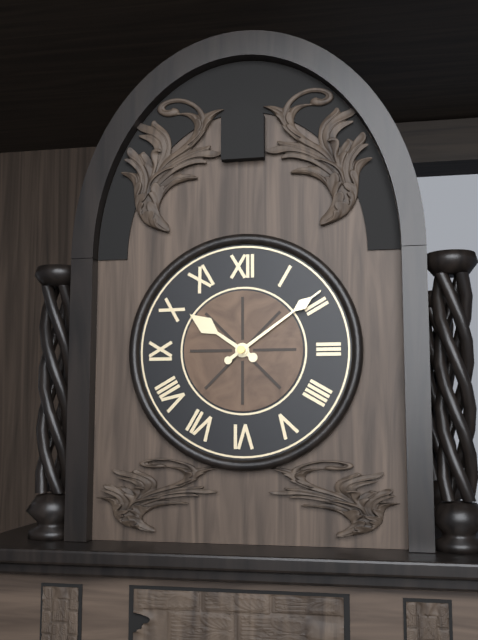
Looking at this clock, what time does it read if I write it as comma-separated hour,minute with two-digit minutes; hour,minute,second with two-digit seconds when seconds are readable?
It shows 10,09
